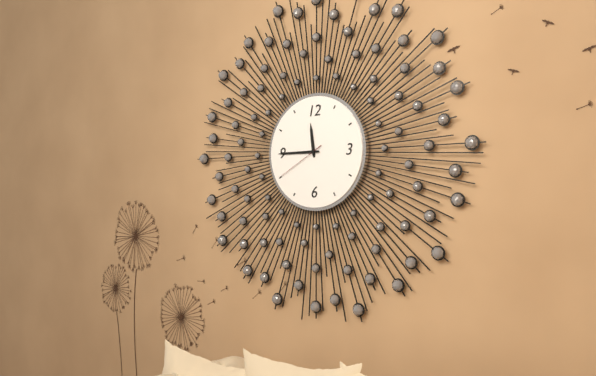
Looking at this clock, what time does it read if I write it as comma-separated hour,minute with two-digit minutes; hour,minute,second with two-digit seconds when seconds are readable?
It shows 11,45,40
